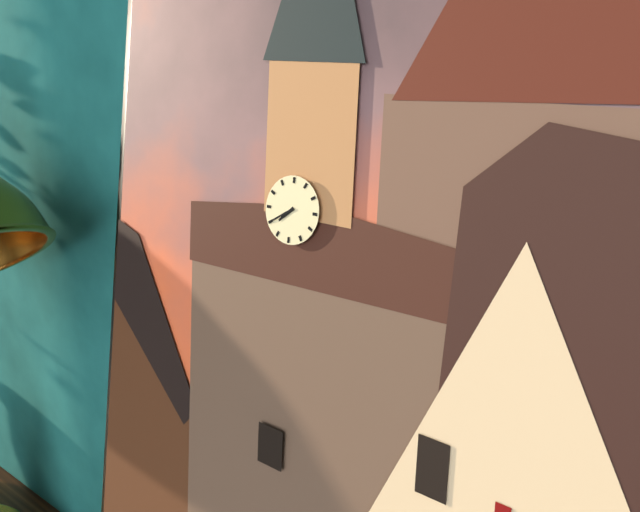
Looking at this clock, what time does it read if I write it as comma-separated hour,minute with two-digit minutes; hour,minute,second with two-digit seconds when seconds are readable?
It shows 7,40
